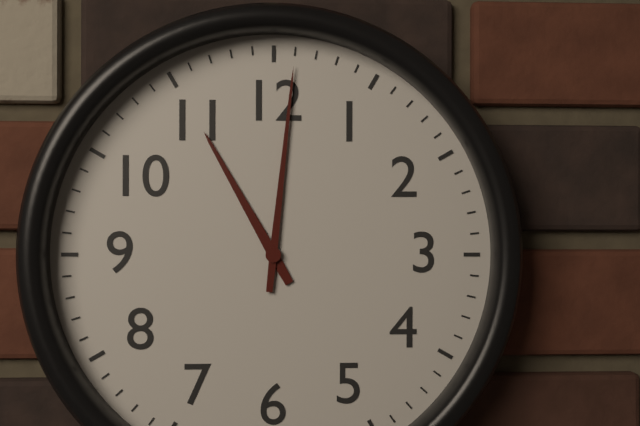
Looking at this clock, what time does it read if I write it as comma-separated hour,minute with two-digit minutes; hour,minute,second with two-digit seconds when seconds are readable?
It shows 11,01
